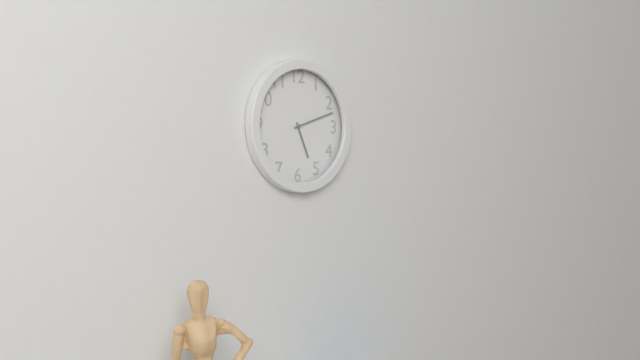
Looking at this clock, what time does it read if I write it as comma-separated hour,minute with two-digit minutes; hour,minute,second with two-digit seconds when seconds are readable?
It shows 5,12
